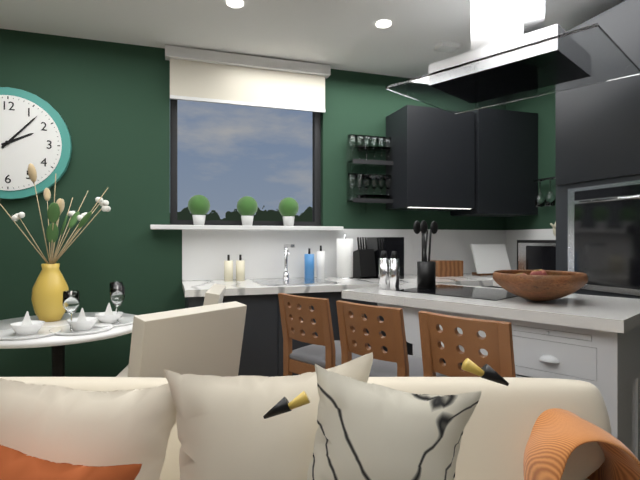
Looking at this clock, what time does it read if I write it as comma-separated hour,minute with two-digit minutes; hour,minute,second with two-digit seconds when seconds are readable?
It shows 2,07
